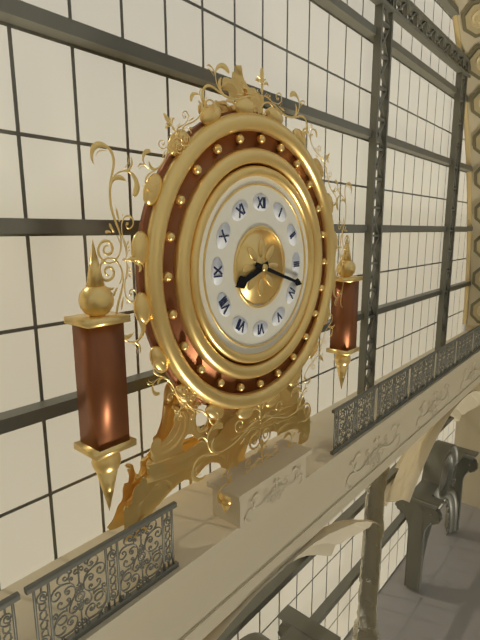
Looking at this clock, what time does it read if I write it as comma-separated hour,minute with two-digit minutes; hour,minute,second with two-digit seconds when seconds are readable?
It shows 8,18
